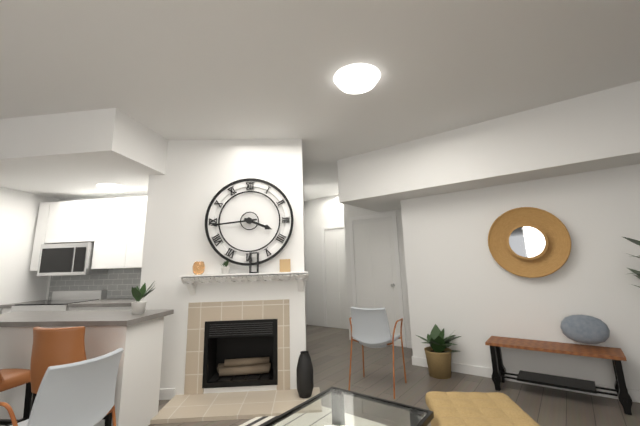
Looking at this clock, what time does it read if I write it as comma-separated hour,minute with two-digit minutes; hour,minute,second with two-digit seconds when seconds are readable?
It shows 3,44
